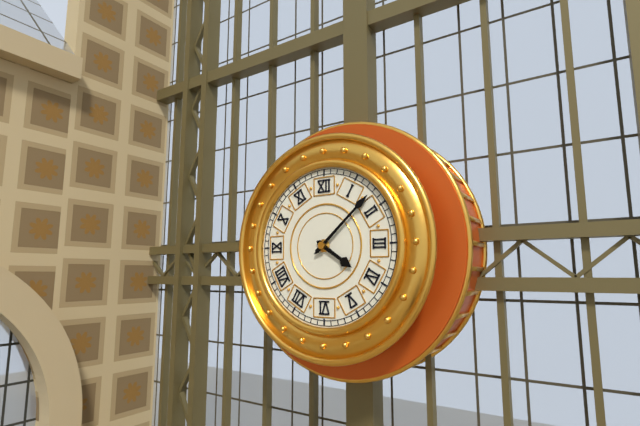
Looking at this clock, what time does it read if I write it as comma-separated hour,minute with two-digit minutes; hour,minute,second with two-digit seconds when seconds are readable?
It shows 4,08
